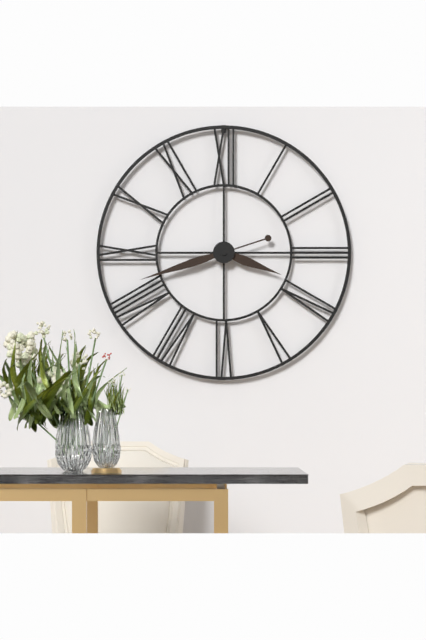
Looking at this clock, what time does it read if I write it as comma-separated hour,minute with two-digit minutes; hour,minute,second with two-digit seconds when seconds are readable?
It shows 3,42
